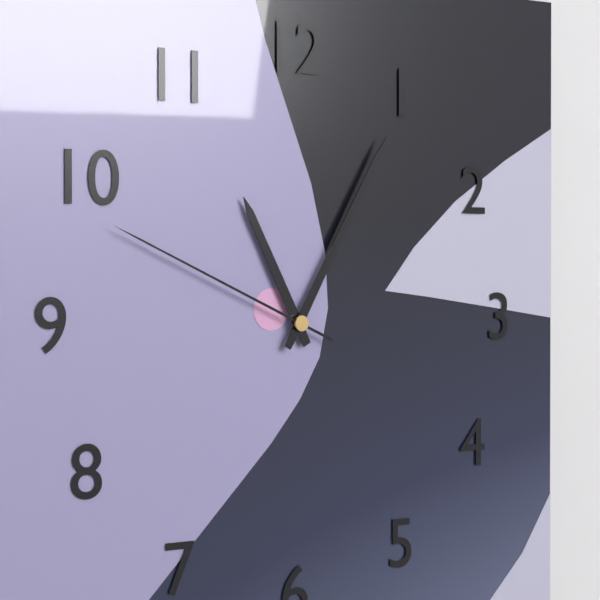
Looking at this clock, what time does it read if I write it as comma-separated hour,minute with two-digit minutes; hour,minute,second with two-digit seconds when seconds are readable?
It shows 11,05,49
